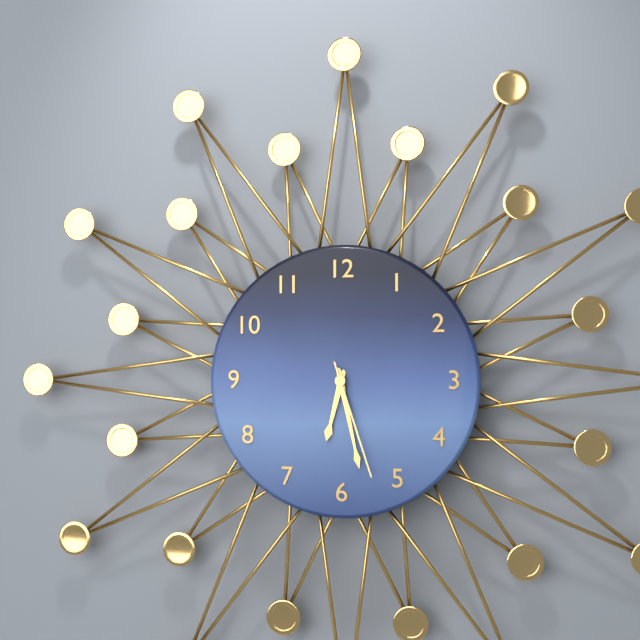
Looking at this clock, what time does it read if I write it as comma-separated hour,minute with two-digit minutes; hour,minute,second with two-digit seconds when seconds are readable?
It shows 6,28,27
